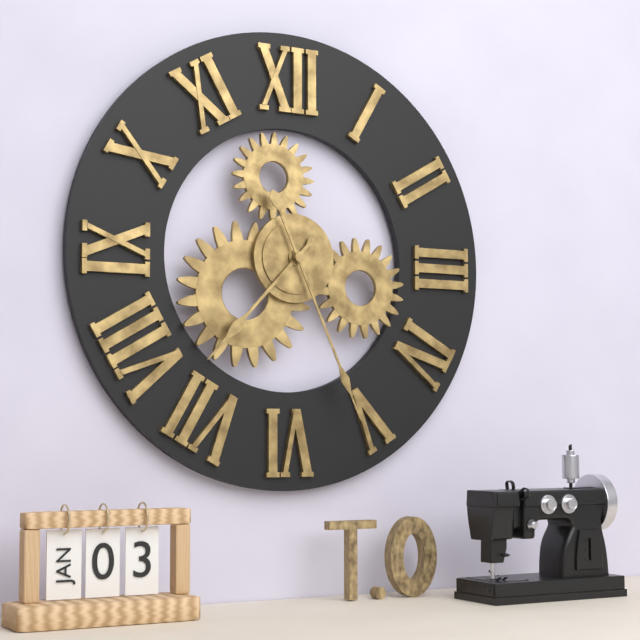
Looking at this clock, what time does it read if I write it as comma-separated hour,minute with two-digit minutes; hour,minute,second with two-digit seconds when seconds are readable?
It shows 7,26
